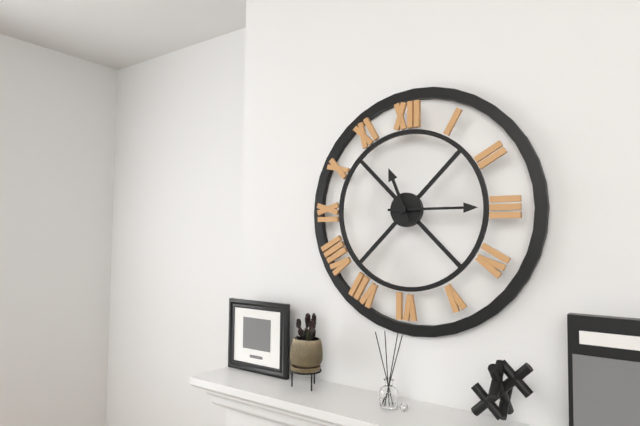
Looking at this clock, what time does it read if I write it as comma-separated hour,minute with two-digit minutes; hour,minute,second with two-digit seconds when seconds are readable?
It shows 11,15
